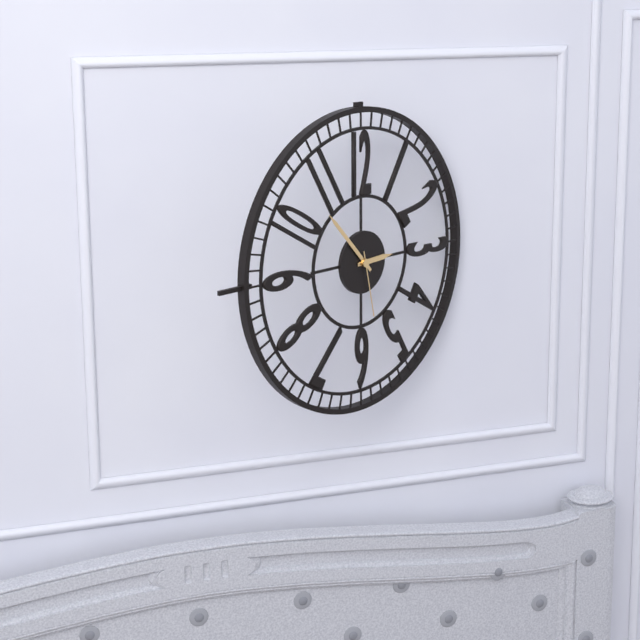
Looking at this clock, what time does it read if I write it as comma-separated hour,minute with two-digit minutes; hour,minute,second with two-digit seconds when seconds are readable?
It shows 2,53,28
